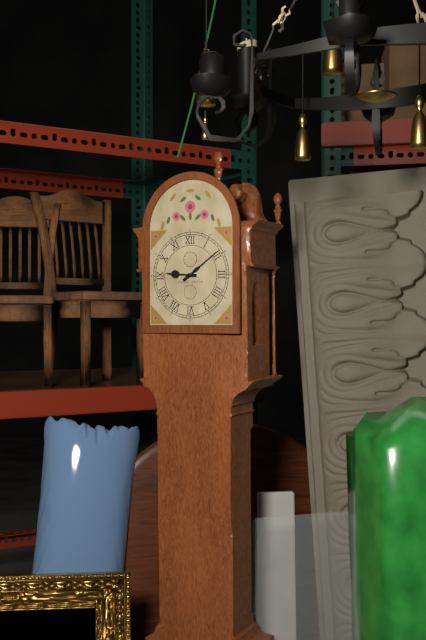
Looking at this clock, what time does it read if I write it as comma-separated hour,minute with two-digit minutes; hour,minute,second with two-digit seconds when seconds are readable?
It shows 9,09
